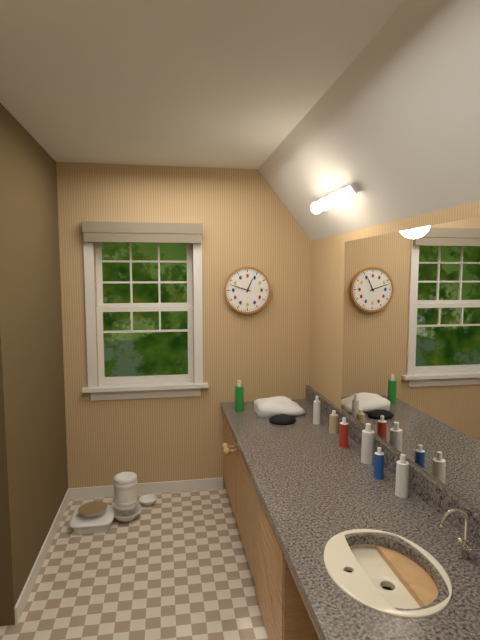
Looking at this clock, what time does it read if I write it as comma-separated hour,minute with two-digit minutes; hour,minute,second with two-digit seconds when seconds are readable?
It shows 12,48
